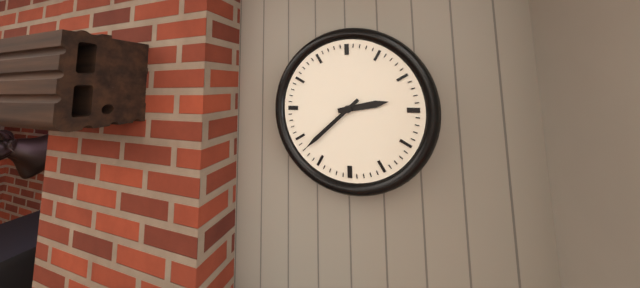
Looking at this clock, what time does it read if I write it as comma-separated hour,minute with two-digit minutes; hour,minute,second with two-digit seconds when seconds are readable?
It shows 2,38
